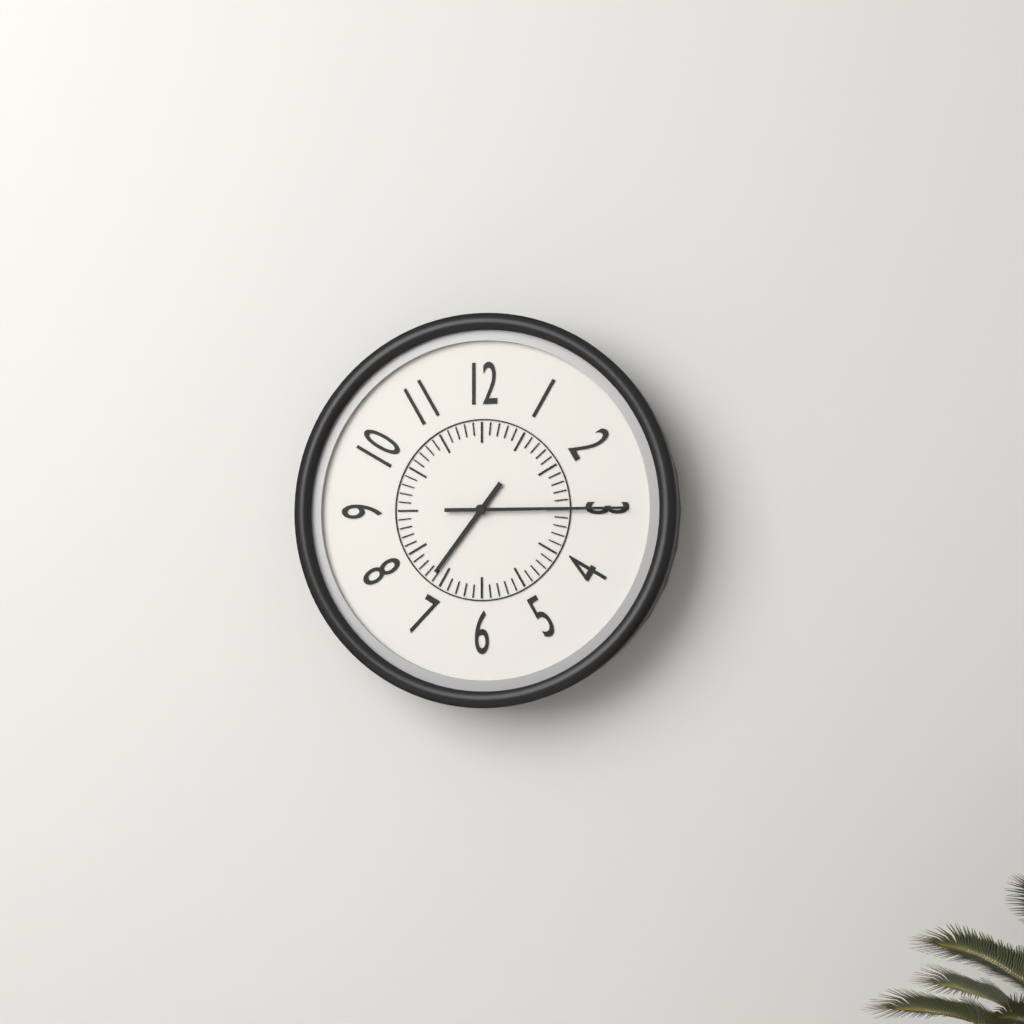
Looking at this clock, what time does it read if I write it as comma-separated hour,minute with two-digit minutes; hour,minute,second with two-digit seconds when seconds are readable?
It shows 7,15
